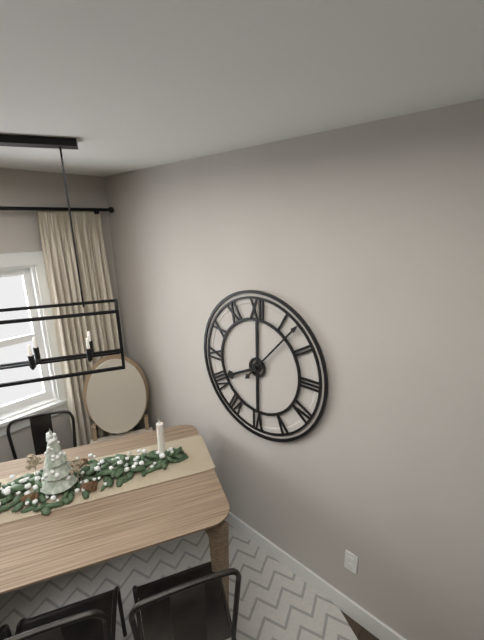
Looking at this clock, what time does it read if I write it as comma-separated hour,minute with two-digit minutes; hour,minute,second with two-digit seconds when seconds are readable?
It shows 8,07
